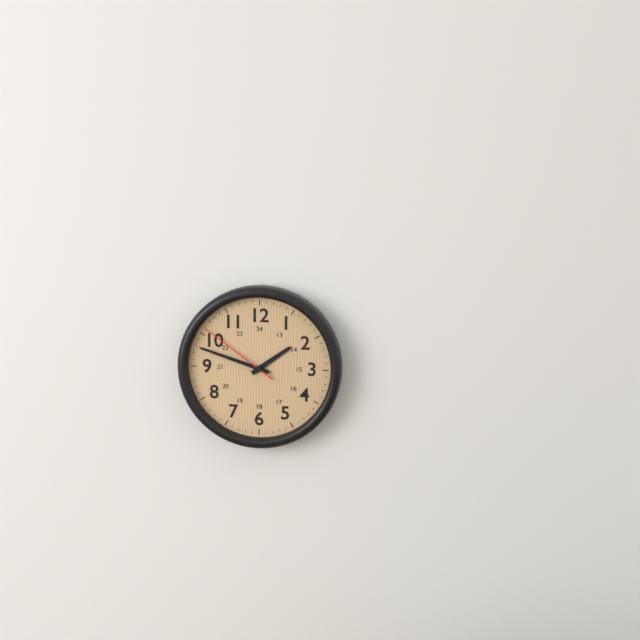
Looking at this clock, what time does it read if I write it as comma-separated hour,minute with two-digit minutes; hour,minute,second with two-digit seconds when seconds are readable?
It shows 1,48,51
